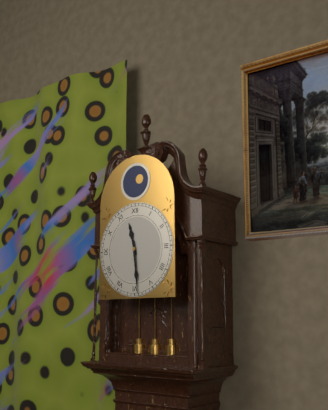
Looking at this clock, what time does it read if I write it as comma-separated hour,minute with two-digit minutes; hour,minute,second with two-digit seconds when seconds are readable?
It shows 11,29
